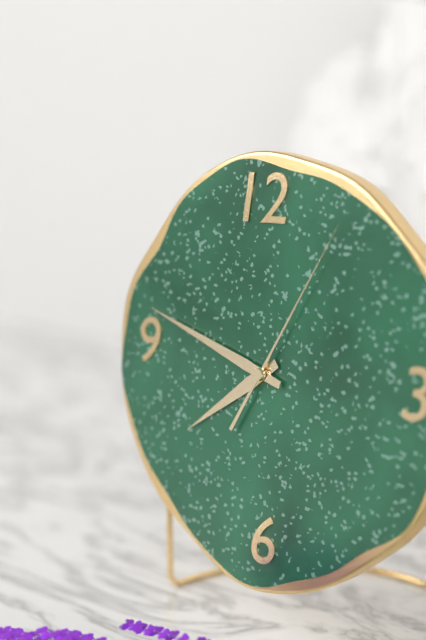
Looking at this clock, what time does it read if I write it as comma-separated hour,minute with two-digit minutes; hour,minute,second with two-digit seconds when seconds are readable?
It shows 7,48,05
